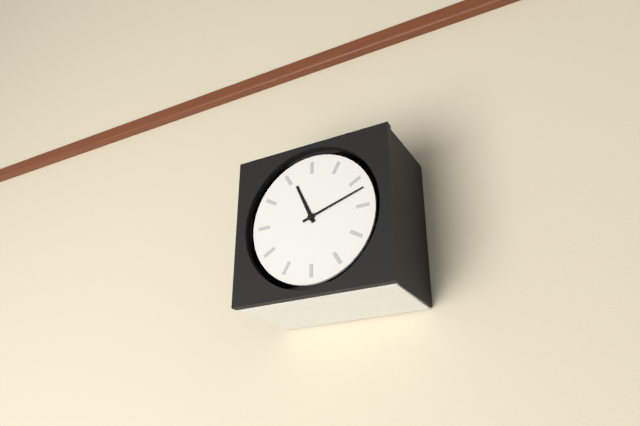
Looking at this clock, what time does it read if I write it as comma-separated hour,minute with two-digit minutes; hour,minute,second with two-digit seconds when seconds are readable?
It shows 11,12
